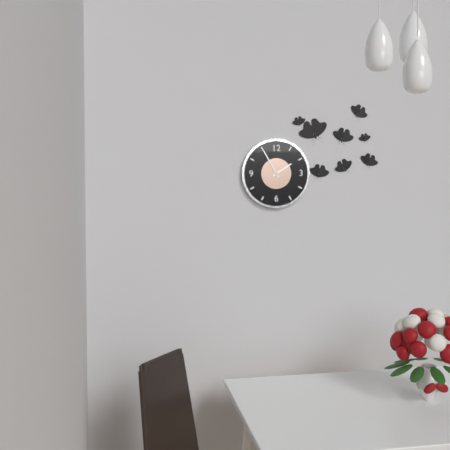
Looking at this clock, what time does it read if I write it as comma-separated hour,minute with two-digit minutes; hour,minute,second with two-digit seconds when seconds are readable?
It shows 1,55
